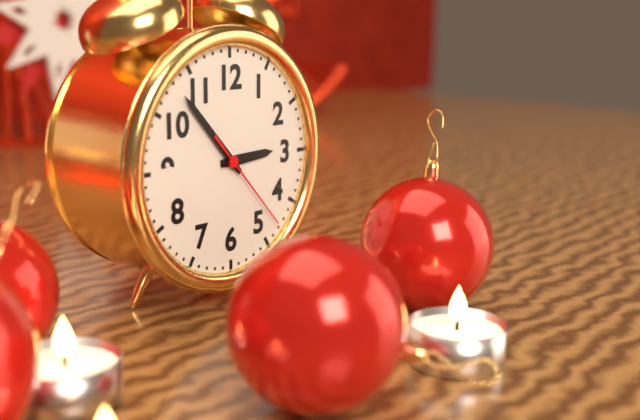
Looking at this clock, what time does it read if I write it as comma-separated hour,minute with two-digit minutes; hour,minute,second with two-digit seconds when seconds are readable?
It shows 2,53,23
